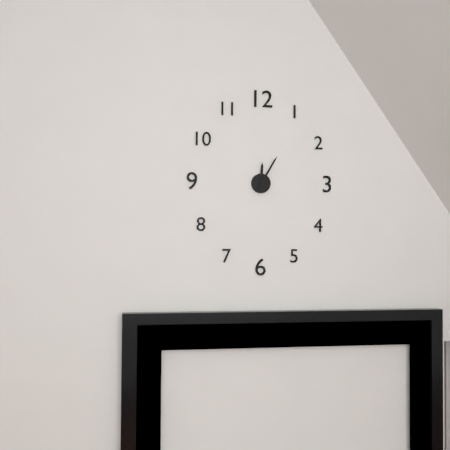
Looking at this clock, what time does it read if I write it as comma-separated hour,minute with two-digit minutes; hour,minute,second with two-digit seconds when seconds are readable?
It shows 12,05
